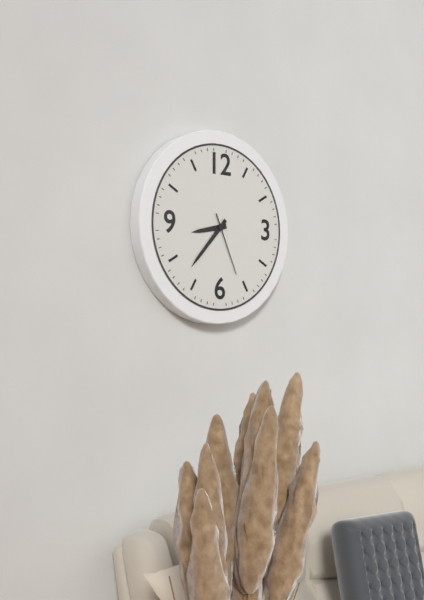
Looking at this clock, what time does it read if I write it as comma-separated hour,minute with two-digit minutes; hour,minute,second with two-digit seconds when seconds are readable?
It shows 8,37,26
